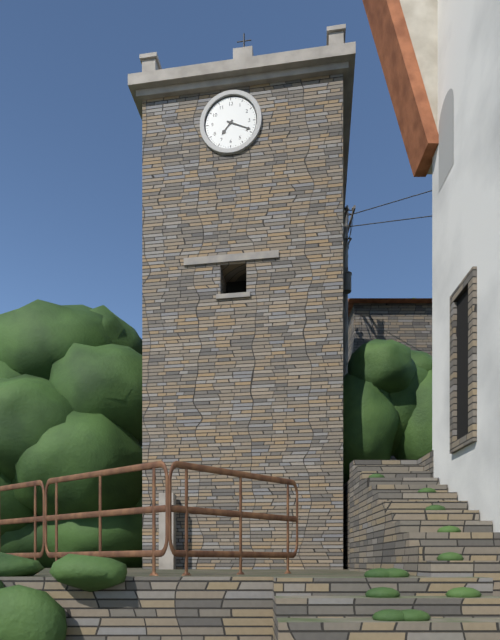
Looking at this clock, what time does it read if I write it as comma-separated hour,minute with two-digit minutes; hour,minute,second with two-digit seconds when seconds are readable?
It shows 7,19
